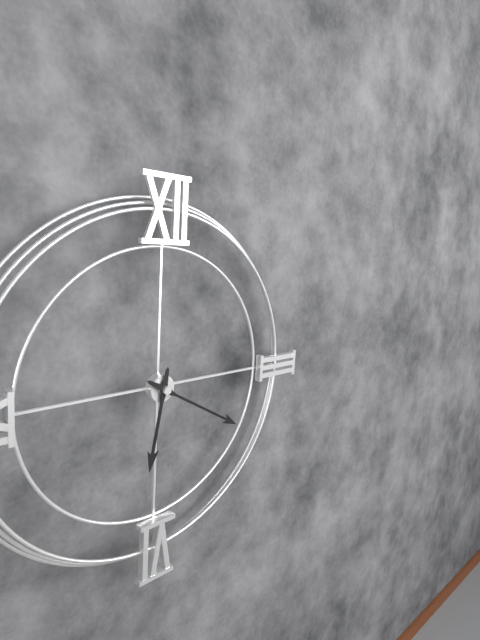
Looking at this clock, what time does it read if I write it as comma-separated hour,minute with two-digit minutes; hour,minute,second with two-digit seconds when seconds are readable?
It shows 6,20
